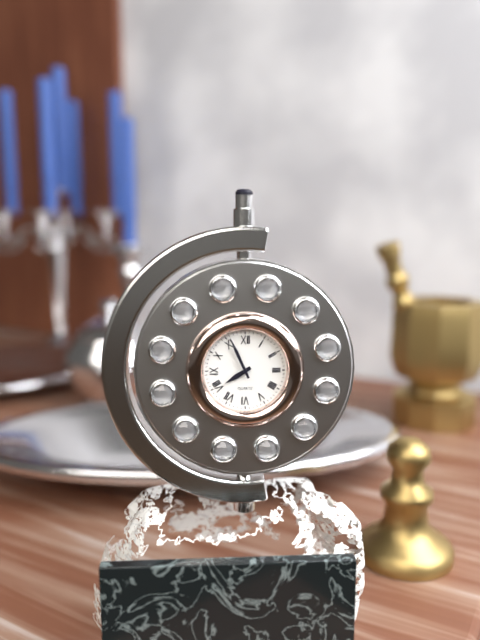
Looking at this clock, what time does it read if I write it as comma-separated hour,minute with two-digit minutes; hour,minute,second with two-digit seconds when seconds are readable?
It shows 7,56
